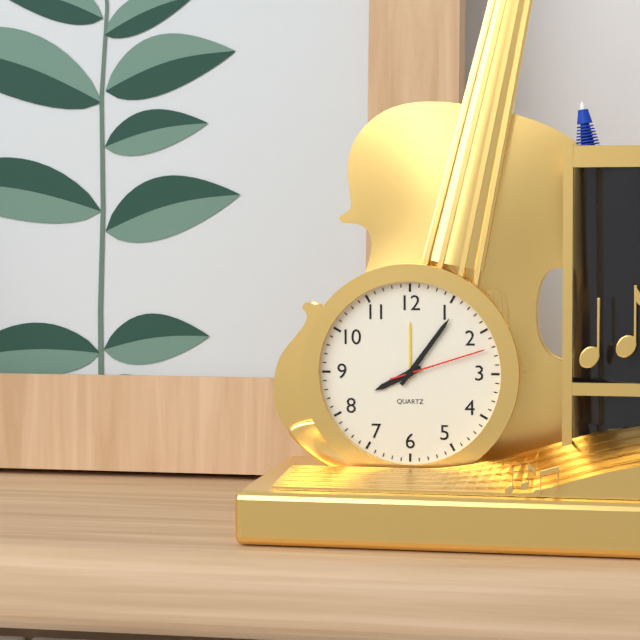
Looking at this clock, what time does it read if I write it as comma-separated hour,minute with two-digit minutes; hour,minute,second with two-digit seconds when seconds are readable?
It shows 8,06,12
